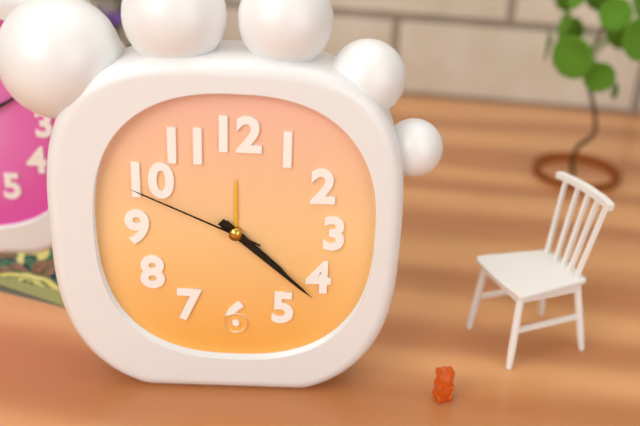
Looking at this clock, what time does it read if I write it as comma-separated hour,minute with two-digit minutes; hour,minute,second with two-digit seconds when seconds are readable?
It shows 4,22,49
